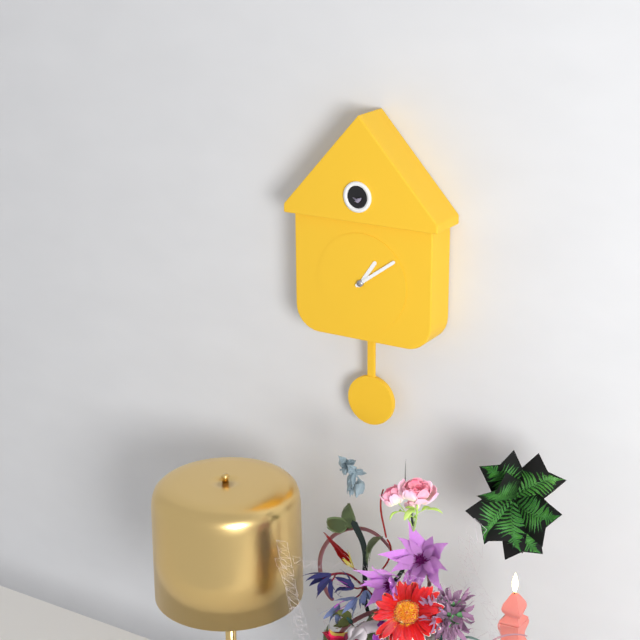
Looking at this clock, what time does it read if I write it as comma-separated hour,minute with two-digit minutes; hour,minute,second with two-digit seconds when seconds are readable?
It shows 1,09
